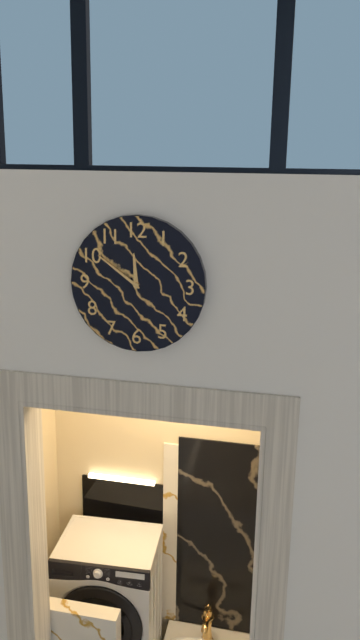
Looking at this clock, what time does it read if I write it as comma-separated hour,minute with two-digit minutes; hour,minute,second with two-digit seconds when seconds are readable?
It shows 11,51
